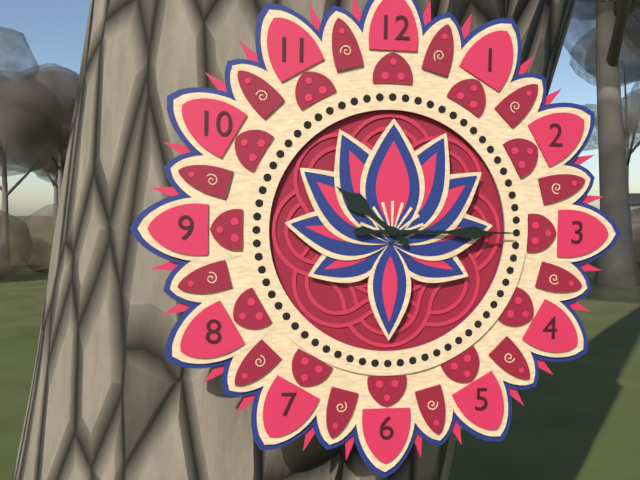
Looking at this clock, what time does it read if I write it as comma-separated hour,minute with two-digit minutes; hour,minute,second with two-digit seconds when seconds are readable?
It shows 10,15
